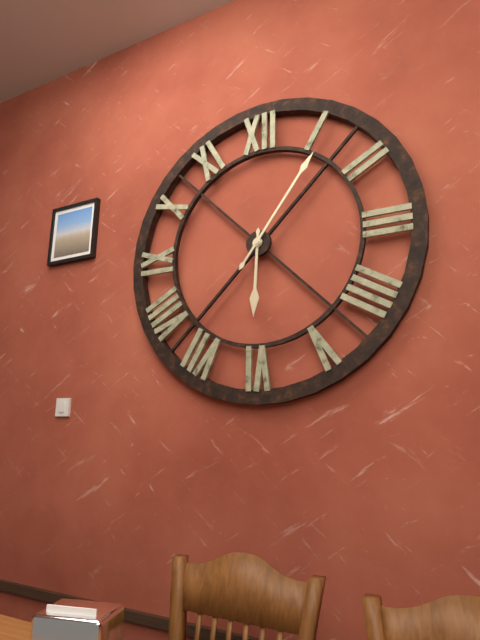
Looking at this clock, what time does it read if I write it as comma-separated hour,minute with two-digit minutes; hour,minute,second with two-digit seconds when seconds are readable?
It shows 6,06
